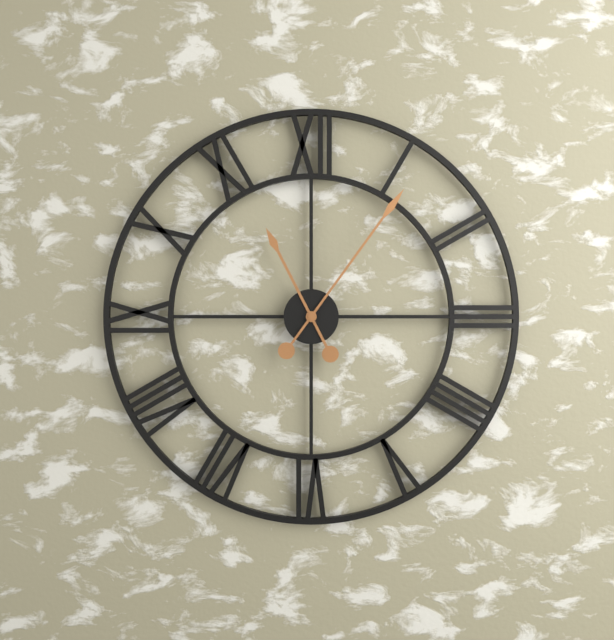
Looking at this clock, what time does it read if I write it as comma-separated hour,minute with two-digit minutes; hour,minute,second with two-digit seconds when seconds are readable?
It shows 11,06
